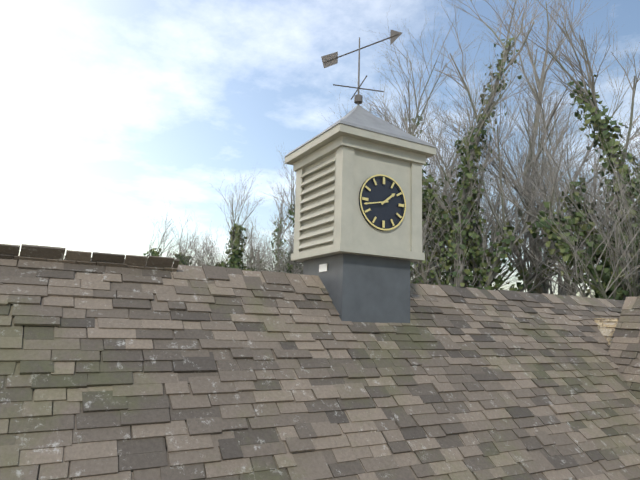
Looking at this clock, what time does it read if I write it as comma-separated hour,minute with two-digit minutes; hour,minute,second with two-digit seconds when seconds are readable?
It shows 1,43
